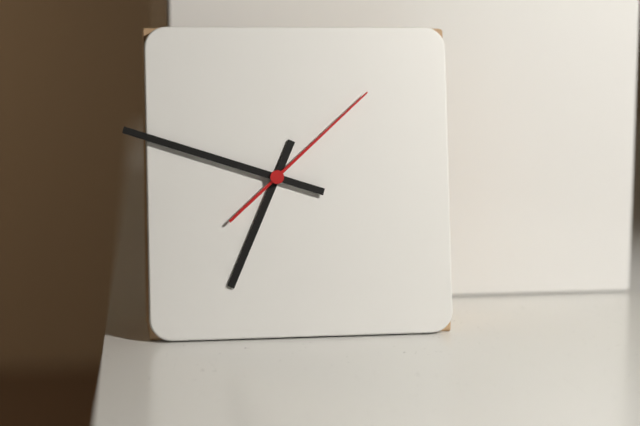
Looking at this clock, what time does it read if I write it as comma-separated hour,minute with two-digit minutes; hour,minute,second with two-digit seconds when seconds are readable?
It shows 6,48,08
